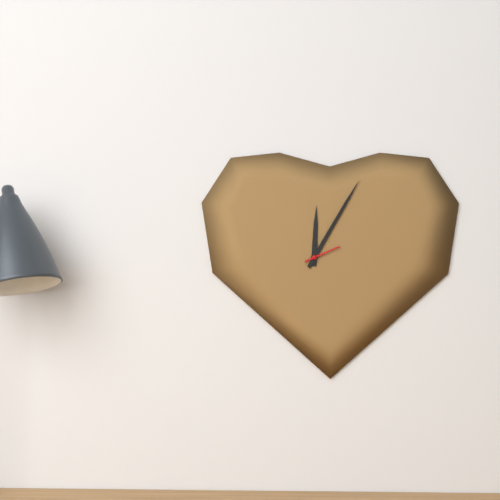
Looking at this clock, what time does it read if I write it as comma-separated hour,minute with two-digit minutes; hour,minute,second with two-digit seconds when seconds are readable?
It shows 12,05
